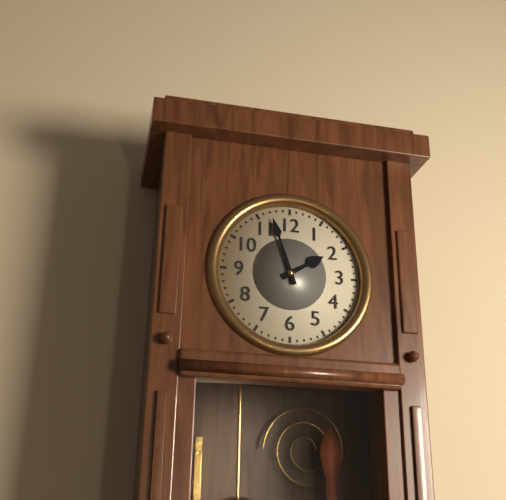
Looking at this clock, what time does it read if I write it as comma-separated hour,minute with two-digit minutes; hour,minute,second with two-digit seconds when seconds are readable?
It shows 1,57
